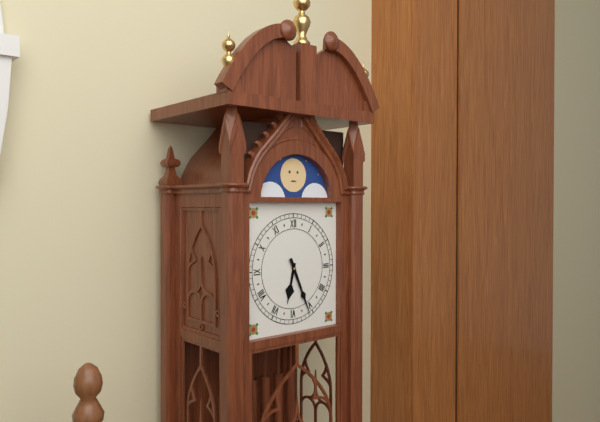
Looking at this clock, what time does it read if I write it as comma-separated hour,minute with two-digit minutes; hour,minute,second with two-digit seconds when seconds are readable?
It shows 6,26
